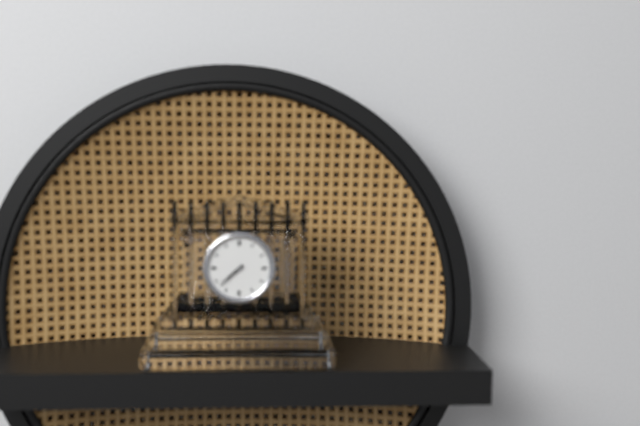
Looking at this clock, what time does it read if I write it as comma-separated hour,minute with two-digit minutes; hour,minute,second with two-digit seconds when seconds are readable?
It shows 7,38
